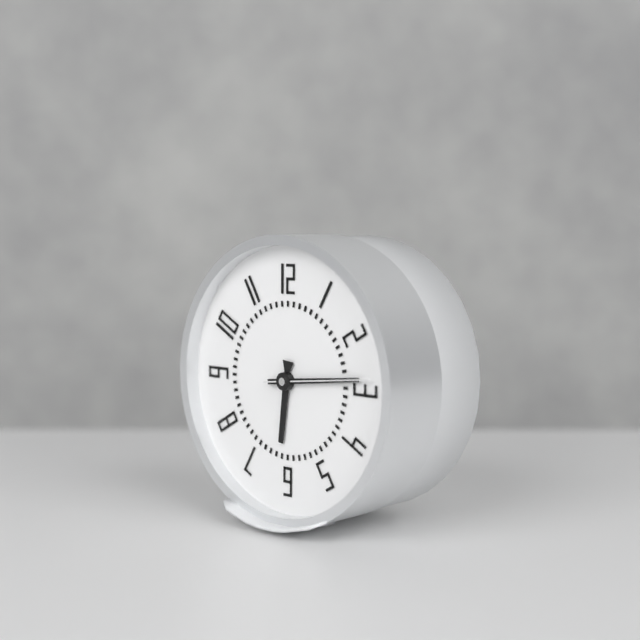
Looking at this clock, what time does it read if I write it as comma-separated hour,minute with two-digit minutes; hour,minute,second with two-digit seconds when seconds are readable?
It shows 6,14,14
